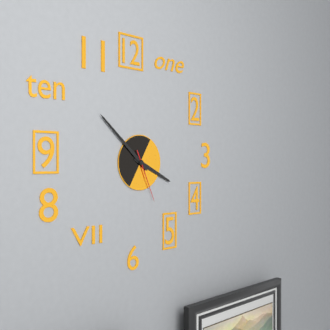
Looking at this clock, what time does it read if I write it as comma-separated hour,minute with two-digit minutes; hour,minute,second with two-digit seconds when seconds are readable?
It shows 3,52,26
